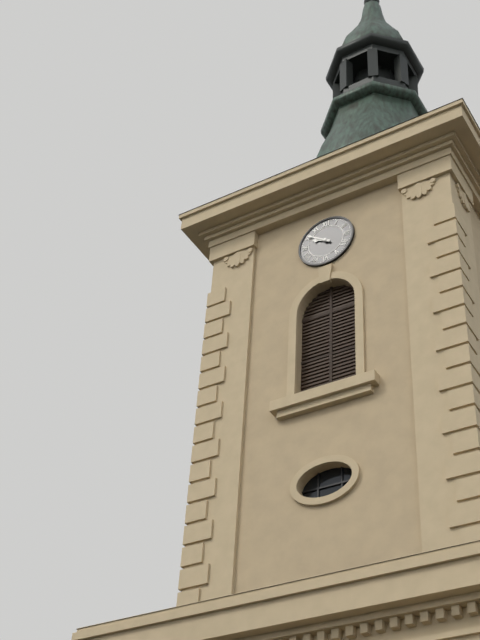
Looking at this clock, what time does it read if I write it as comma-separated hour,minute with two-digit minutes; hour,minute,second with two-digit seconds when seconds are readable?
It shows 9,51
